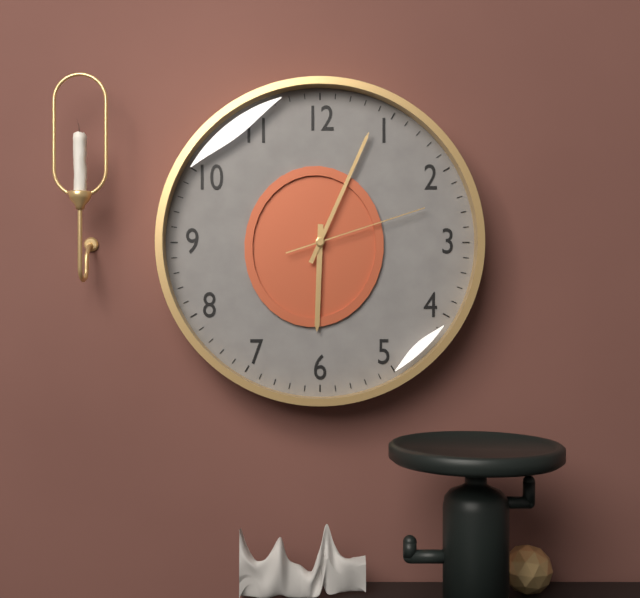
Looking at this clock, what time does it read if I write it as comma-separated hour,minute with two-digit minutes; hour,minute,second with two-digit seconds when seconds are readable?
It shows 6,04,12
